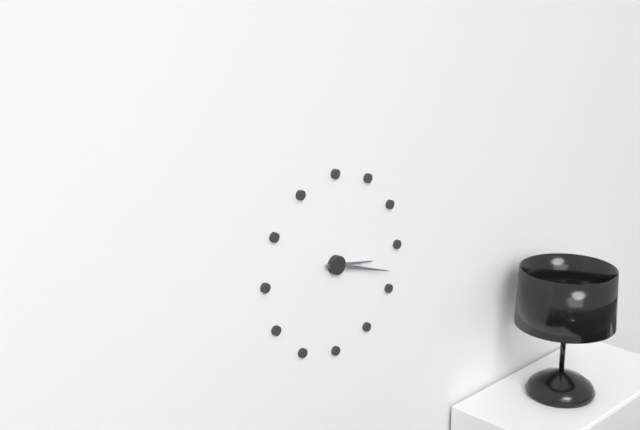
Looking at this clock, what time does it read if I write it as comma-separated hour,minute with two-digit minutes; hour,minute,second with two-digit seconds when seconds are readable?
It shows 3,18
